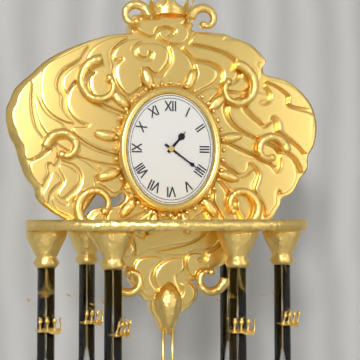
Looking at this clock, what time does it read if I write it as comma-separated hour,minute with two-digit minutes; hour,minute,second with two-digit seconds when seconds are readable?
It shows 1,21
